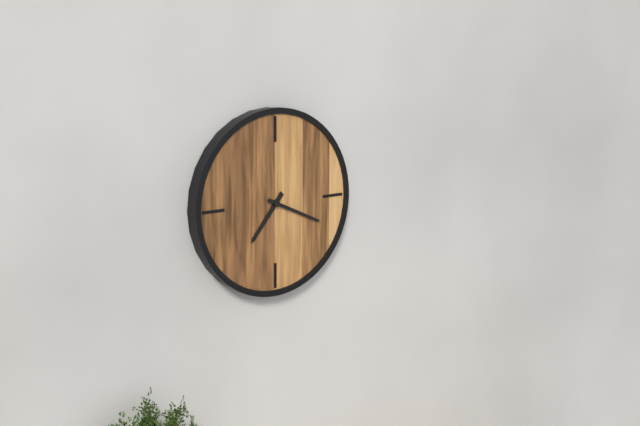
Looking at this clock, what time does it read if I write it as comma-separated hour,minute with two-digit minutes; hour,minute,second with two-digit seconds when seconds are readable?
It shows 7,19
